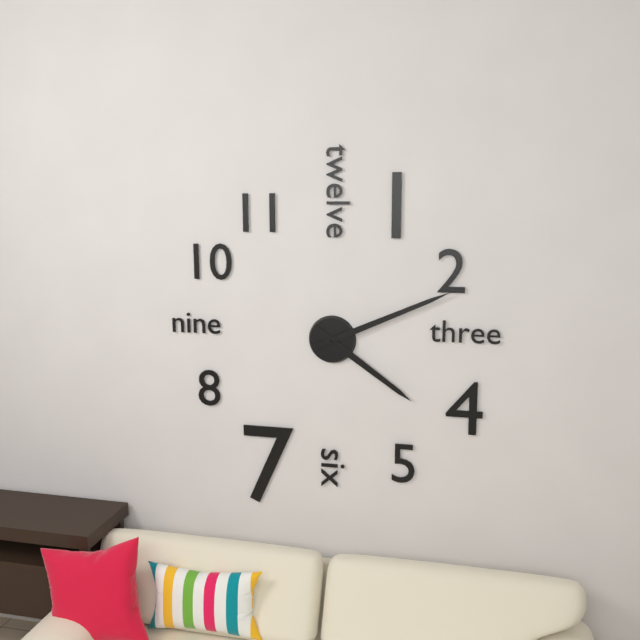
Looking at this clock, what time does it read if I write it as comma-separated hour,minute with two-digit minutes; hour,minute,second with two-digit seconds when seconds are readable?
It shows 4,11
